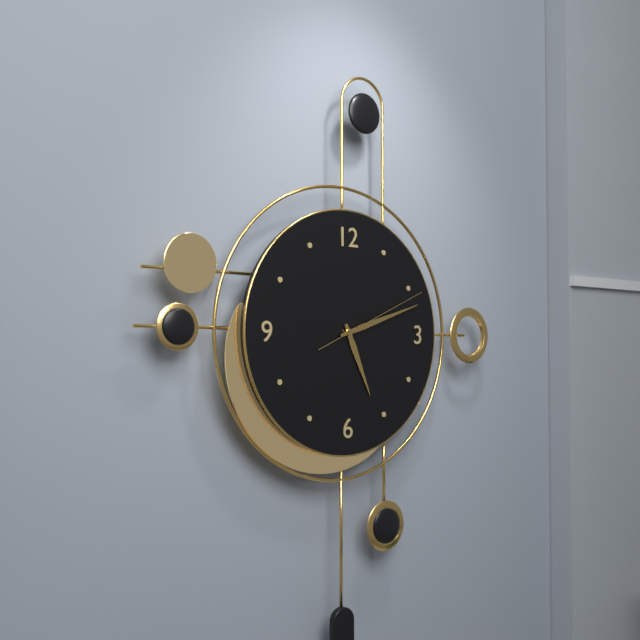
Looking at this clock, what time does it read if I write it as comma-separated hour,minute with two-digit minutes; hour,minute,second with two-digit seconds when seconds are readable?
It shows 5,12,11
